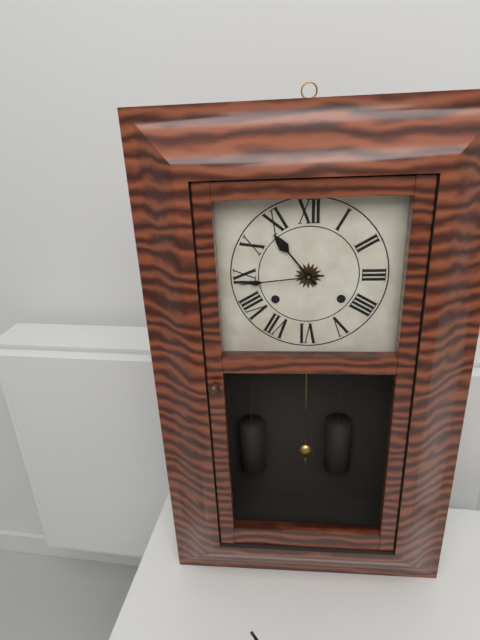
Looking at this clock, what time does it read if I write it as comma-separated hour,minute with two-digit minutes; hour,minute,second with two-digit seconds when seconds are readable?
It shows 10,44
